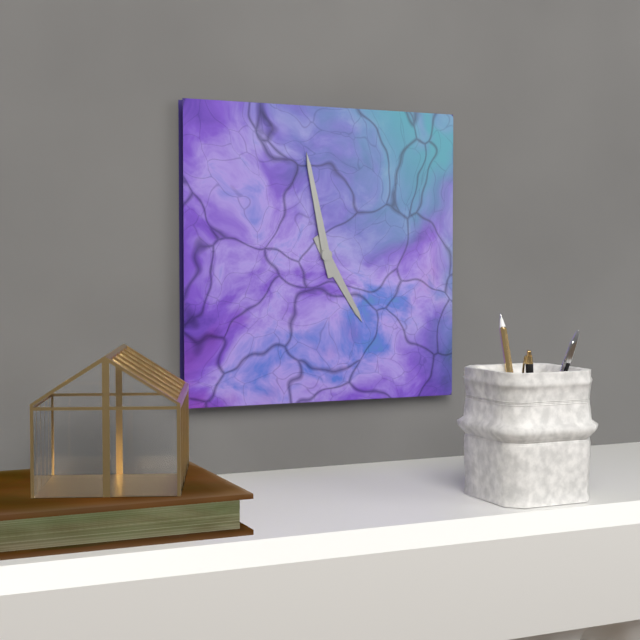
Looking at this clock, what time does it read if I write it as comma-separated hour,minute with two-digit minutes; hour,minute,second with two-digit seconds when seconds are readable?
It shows 4,58
